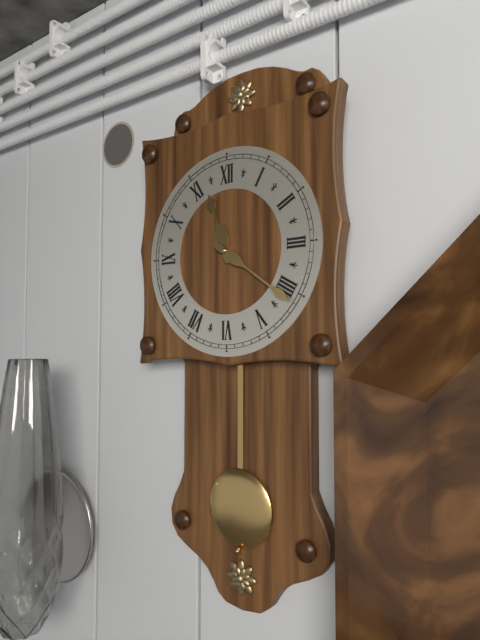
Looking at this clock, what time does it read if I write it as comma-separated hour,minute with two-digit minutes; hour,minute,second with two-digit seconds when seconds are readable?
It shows 11,21
